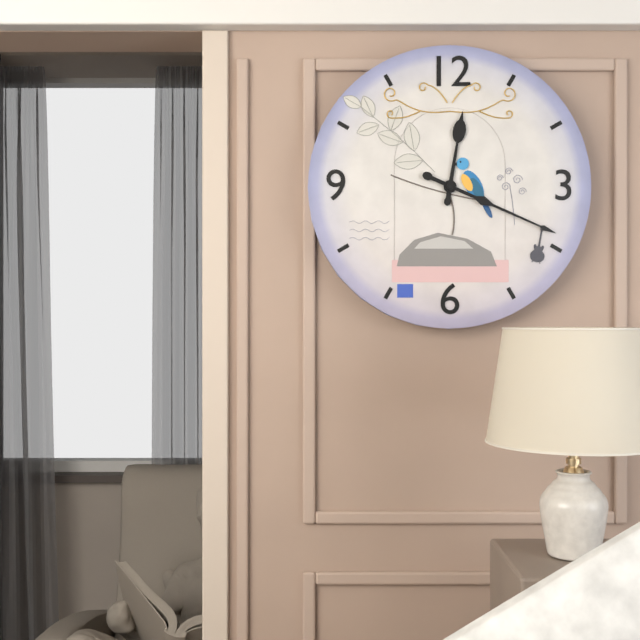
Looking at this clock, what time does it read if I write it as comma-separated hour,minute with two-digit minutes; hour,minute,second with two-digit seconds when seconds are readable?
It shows 12,19
